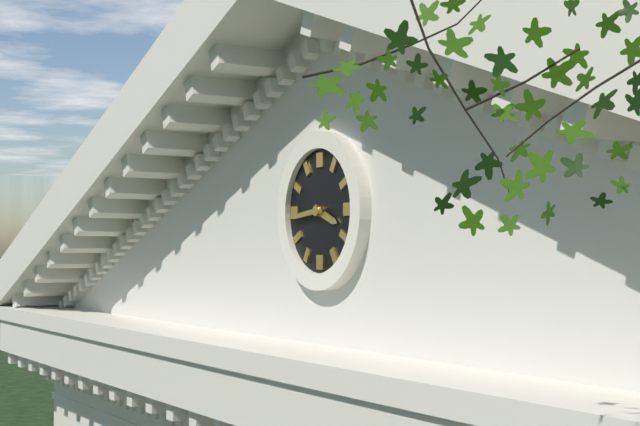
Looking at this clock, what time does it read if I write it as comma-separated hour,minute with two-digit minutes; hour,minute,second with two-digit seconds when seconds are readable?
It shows 3,44
